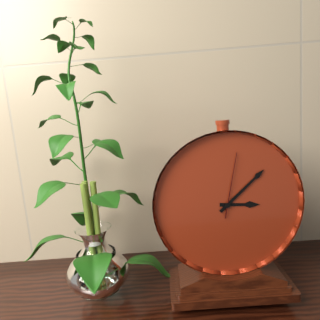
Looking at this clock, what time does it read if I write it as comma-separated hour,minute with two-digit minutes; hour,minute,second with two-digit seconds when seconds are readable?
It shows 3,08,02
